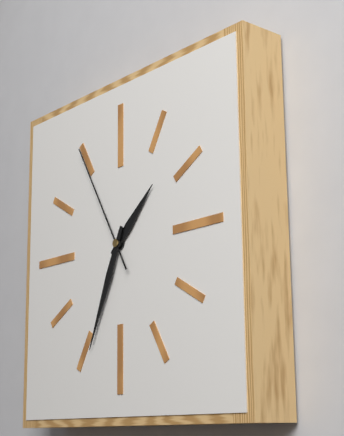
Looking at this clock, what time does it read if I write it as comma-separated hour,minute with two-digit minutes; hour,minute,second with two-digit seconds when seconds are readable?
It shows 1,34,55
